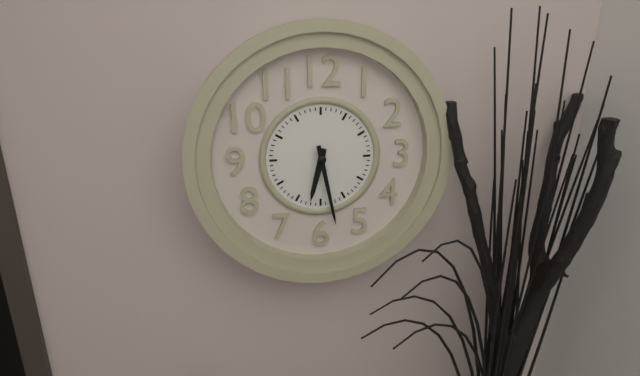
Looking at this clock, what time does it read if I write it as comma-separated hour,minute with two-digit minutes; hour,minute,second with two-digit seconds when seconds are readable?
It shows 6,28
